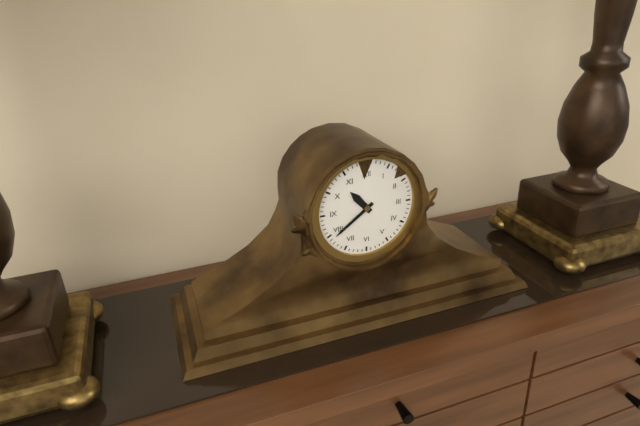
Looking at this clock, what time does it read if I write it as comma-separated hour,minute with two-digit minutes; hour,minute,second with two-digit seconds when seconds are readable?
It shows 10,39
